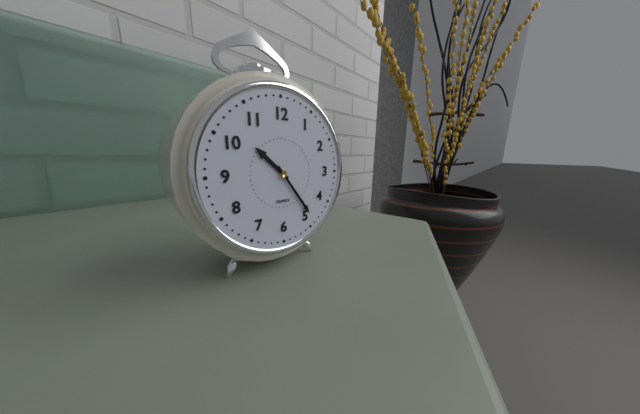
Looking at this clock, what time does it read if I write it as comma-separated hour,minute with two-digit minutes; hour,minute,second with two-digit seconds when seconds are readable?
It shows 10,24
